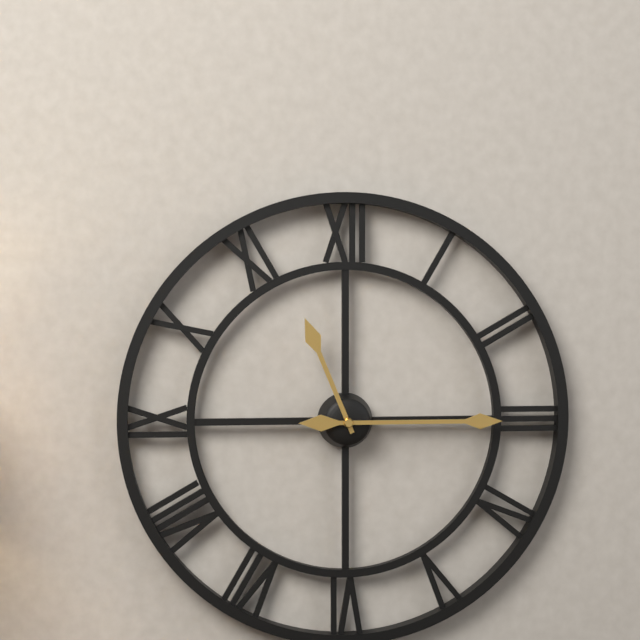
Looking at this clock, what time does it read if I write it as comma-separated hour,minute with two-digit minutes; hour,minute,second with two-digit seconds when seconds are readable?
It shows 11,15
